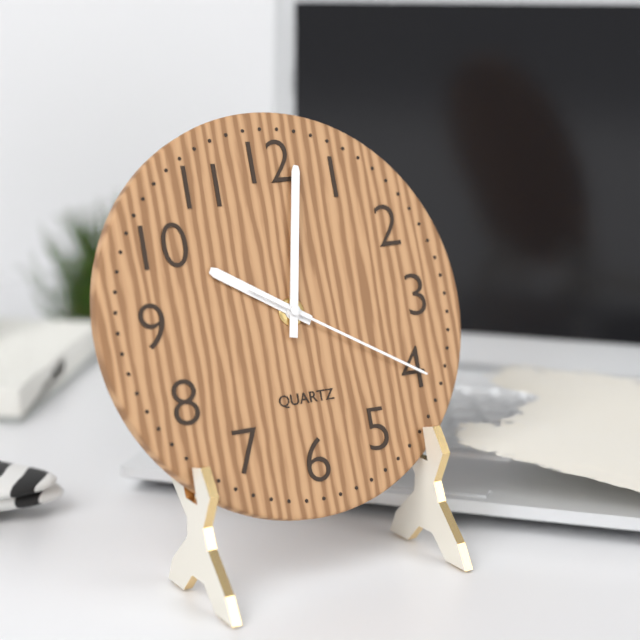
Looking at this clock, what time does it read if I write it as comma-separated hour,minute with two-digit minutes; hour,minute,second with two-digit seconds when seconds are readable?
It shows 10,02,20
